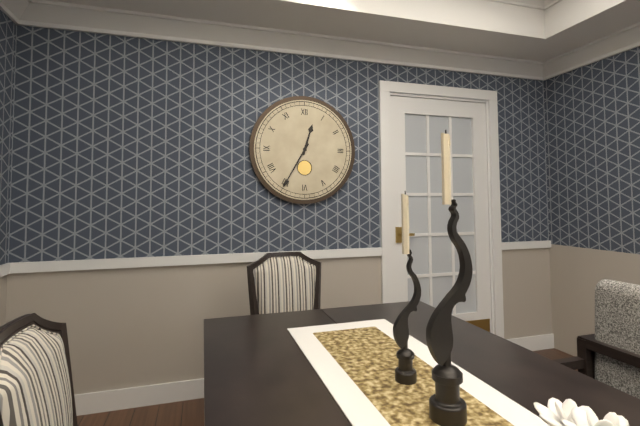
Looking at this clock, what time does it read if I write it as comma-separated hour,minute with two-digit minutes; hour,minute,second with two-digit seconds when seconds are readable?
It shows 12,35
